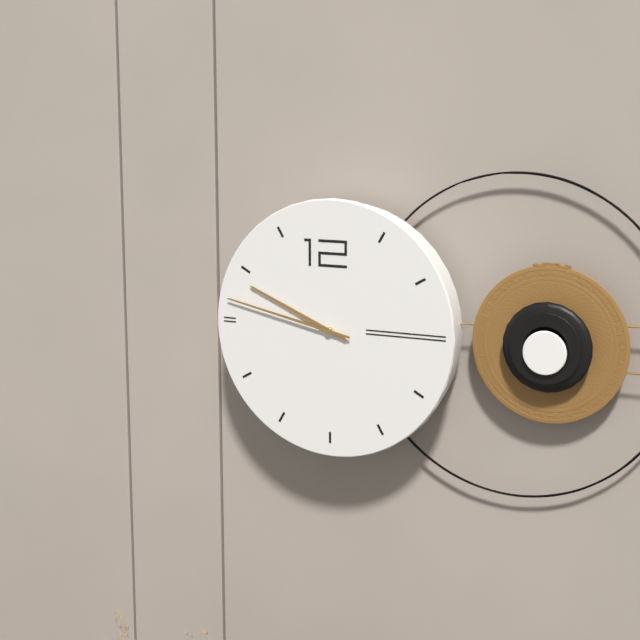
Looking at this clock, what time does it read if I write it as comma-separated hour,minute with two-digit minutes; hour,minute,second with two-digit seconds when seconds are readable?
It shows 9,47
